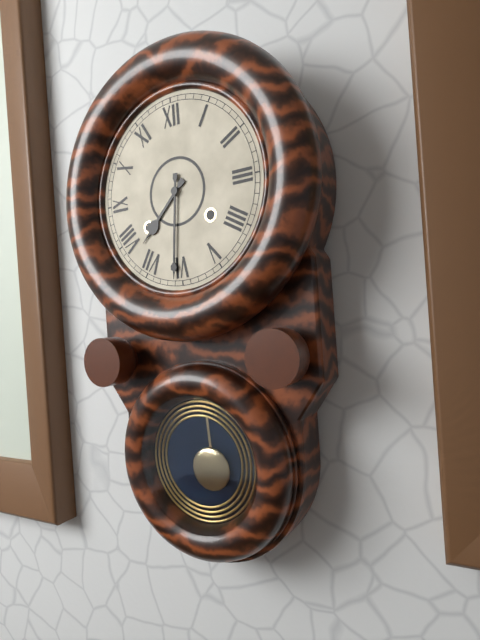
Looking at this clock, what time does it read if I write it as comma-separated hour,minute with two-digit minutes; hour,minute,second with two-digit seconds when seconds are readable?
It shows 7,31
